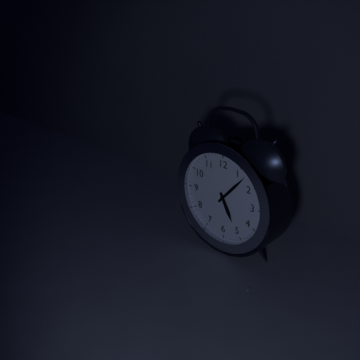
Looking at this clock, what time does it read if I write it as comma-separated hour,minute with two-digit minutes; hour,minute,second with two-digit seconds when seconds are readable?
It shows 5,07
